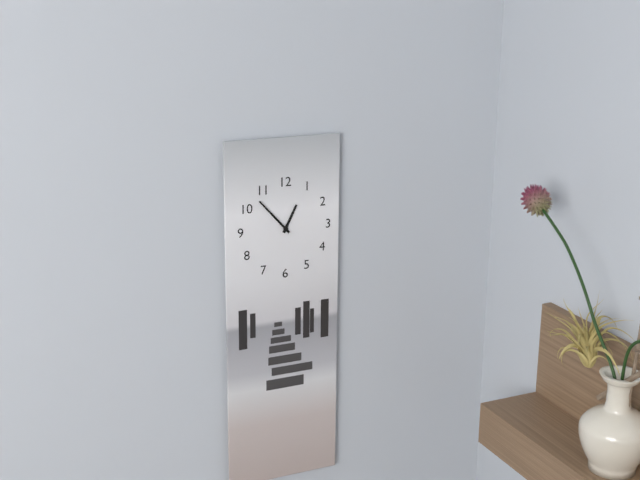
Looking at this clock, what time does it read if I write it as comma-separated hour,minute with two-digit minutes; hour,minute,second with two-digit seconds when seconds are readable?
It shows 12,53
